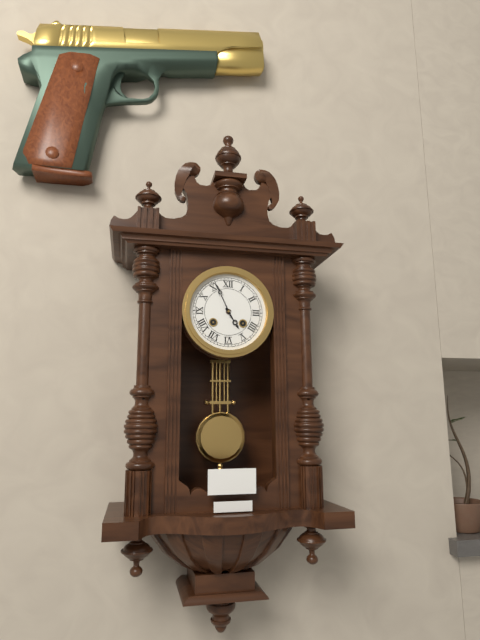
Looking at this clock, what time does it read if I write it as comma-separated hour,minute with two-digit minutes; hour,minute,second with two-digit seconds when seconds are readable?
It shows 4,56
